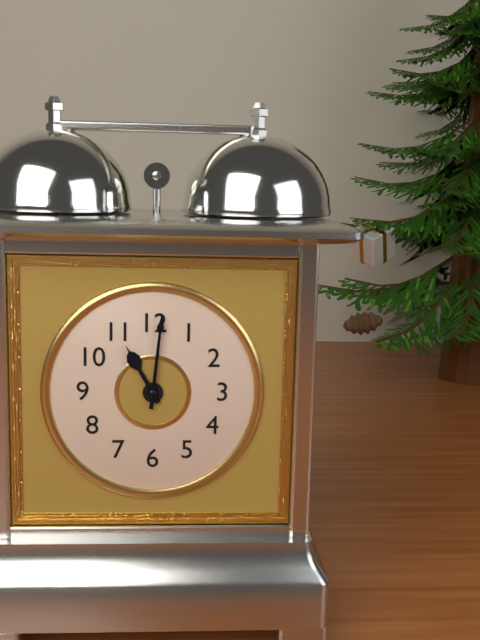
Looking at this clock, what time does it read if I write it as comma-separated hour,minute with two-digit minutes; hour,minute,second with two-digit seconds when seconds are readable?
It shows 11,01
